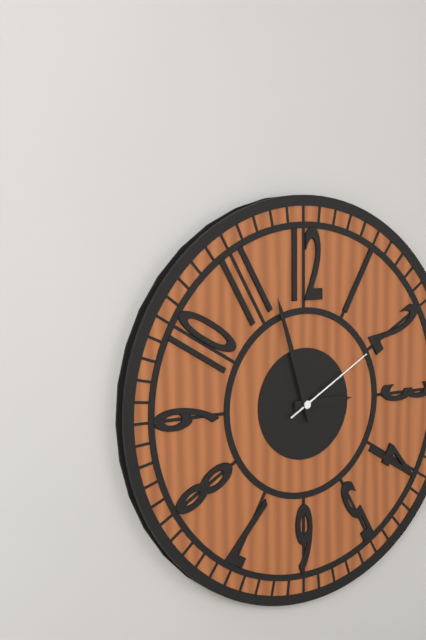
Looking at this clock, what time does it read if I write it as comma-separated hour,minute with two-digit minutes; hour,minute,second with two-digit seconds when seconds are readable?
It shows 2,57,10
